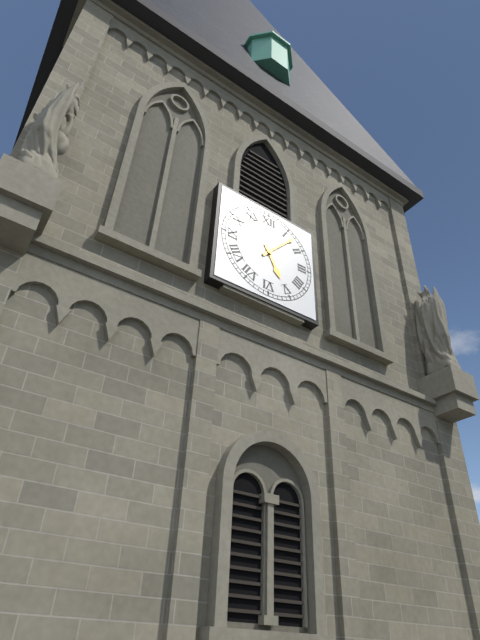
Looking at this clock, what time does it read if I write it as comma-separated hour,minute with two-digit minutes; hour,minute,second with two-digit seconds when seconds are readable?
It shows 5,07
